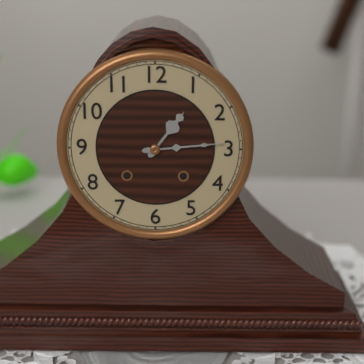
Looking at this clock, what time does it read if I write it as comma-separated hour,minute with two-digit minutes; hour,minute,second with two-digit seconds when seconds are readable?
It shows 1,14
